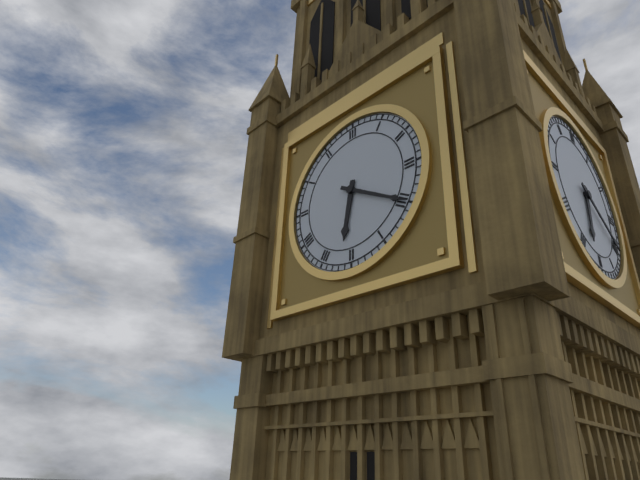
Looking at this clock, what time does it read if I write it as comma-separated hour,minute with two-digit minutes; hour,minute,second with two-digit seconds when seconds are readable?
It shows 6,20
